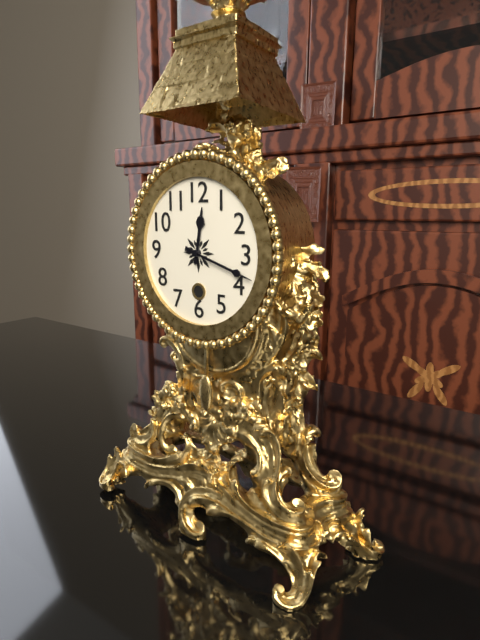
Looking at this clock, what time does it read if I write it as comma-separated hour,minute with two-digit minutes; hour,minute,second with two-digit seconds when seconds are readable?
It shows 12,18
